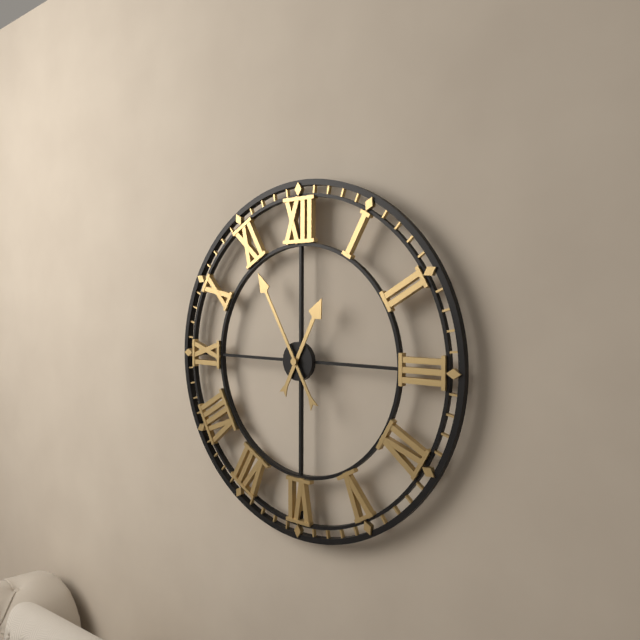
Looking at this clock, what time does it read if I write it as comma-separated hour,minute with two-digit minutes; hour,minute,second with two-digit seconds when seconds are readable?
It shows 12,55
